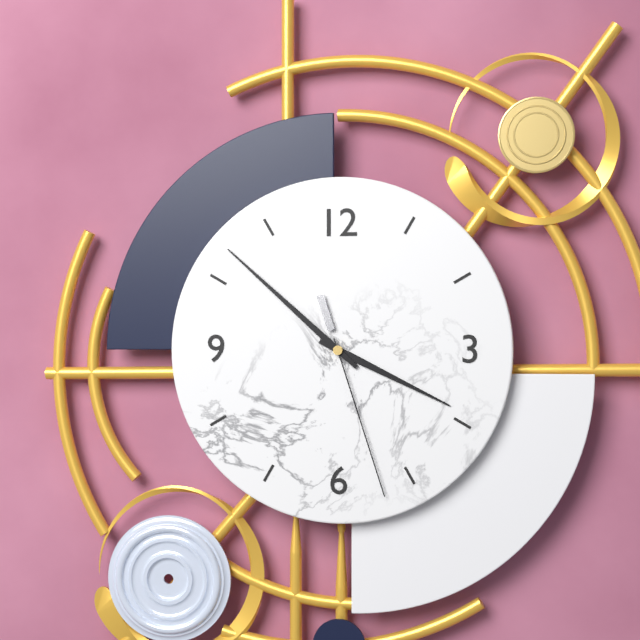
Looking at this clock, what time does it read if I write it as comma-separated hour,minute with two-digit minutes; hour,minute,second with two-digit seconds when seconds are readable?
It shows 3,52,27
